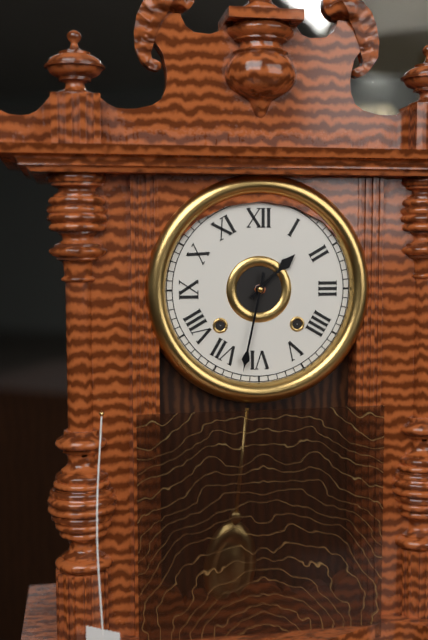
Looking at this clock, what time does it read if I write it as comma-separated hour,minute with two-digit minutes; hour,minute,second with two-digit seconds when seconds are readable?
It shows 1,32
